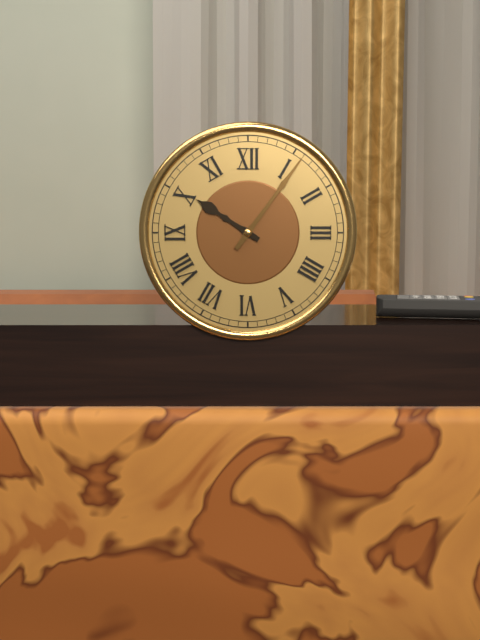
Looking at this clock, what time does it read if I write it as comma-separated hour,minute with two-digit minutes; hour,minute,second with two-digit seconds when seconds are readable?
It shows 10,06
